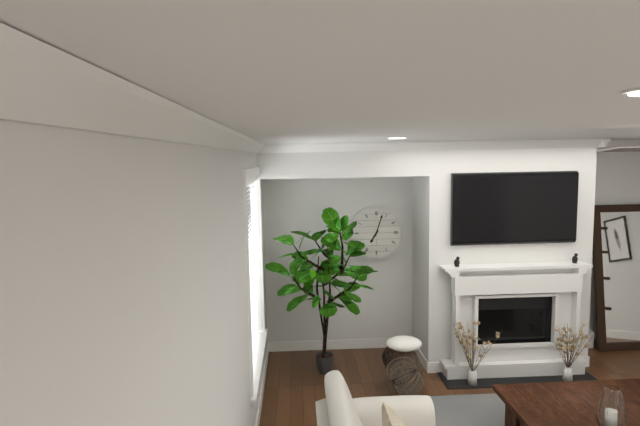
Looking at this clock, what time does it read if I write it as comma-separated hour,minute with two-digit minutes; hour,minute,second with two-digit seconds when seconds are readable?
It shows 7,03
